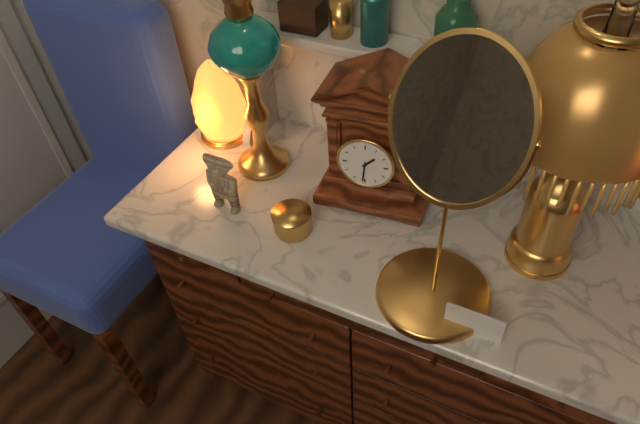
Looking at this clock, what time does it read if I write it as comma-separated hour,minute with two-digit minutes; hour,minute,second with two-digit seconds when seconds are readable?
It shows 1,31
